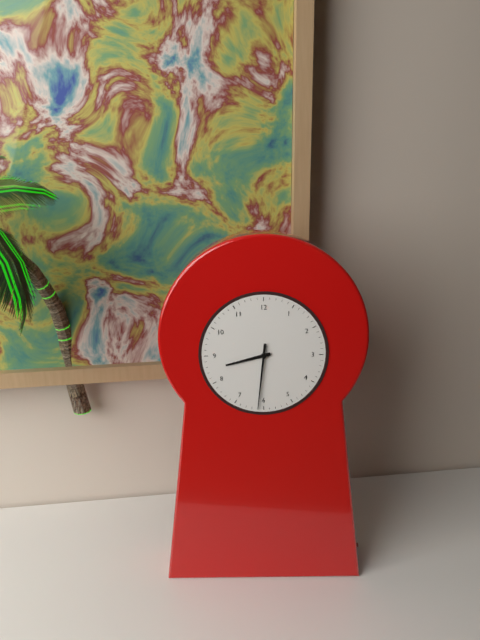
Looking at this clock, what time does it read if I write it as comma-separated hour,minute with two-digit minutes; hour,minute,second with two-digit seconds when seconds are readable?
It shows 8,31
